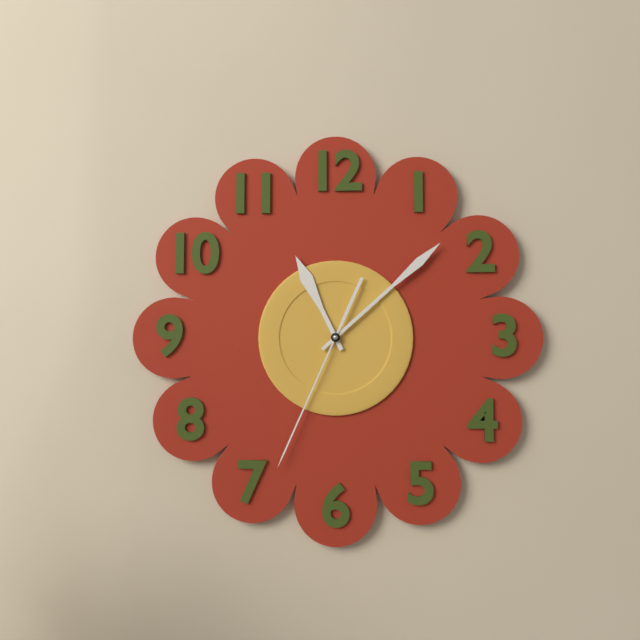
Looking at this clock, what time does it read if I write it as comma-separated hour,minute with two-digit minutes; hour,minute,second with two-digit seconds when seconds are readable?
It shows 11,08,34
